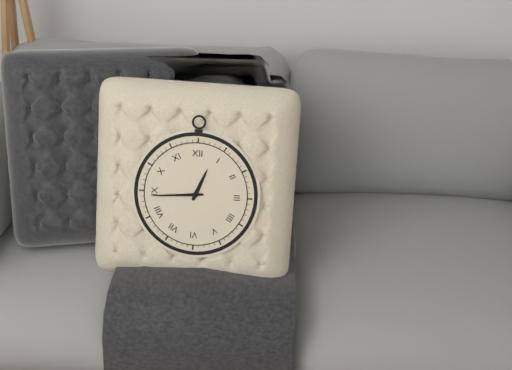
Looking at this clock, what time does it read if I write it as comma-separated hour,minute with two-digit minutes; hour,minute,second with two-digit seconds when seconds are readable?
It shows 12,44
